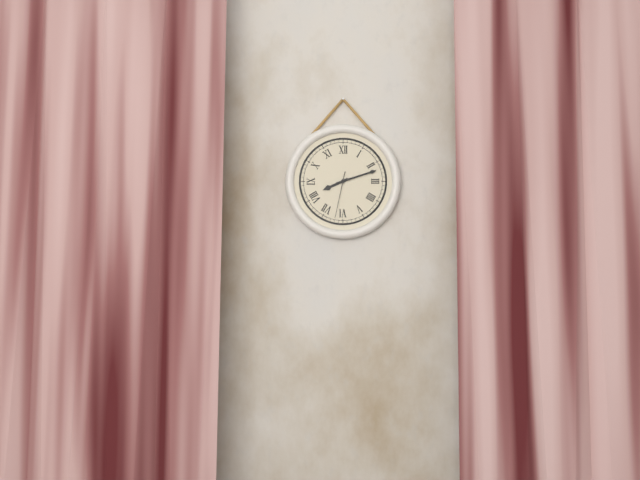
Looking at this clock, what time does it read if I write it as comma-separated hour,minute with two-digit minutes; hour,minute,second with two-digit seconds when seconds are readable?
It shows 8,12
